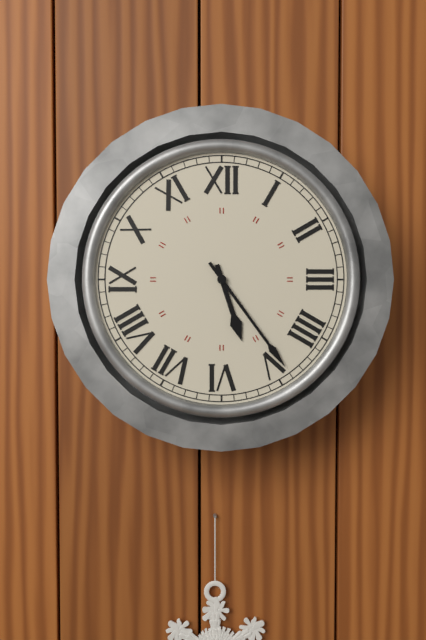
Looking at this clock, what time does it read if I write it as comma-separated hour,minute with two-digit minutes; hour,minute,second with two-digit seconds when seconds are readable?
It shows 5,24
